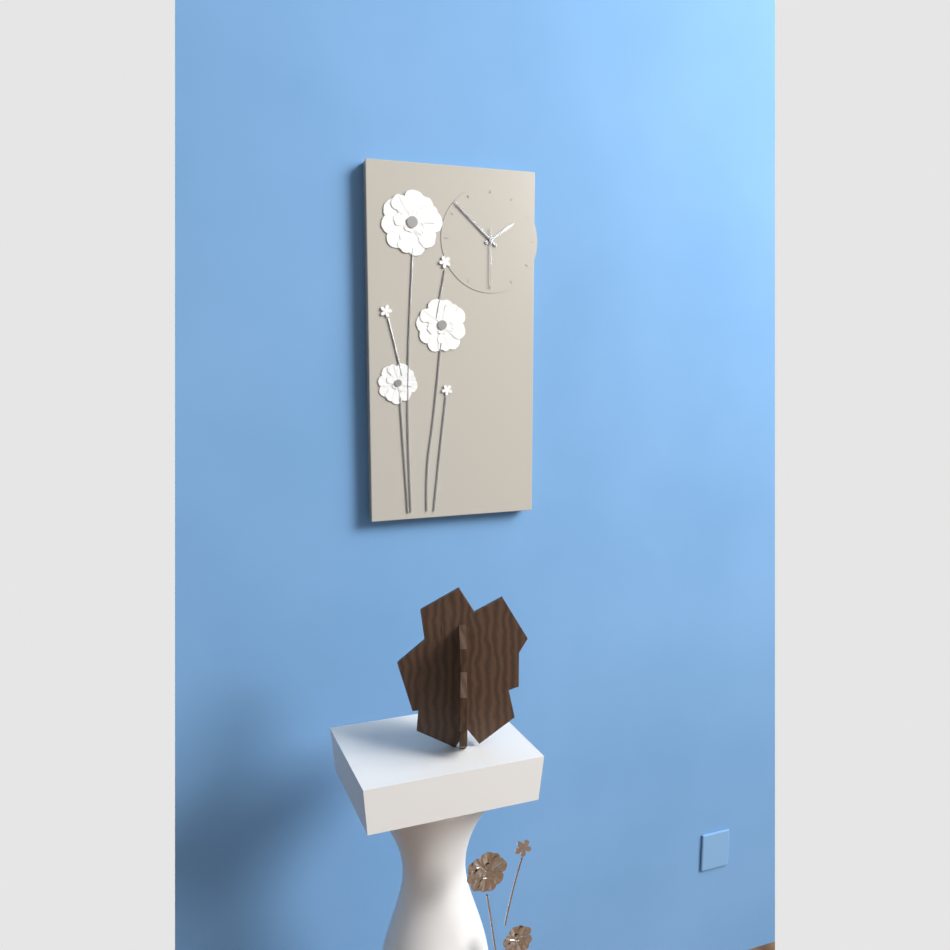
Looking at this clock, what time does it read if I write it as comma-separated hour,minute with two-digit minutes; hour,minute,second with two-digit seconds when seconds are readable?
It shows 1,52,30
